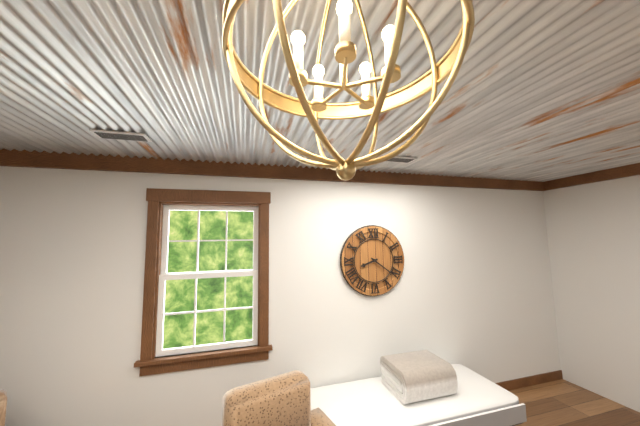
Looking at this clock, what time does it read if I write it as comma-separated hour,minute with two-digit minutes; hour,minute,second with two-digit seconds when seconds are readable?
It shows 8,21
